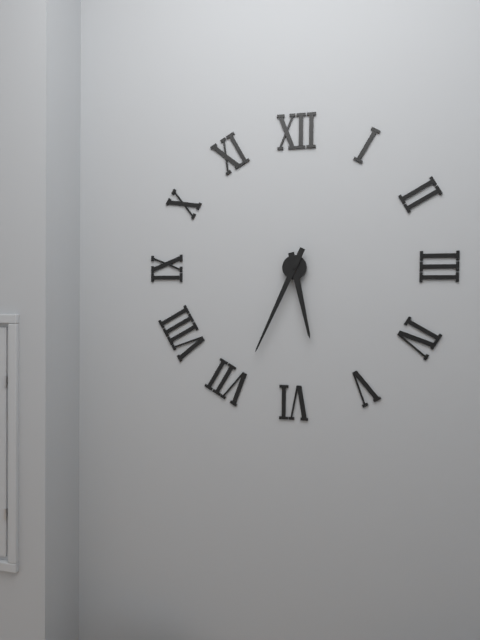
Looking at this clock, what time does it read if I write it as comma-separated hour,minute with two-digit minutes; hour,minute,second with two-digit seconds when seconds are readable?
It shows 5,34
